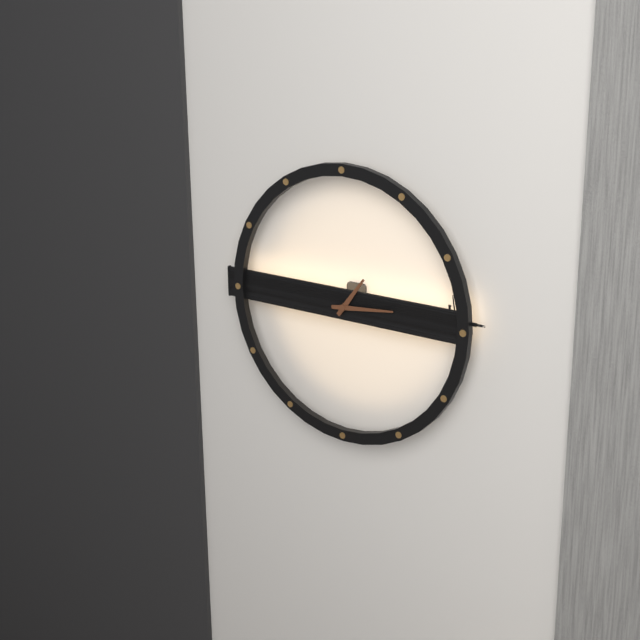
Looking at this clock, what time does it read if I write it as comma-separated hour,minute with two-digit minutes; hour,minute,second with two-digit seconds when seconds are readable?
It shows 1,14
